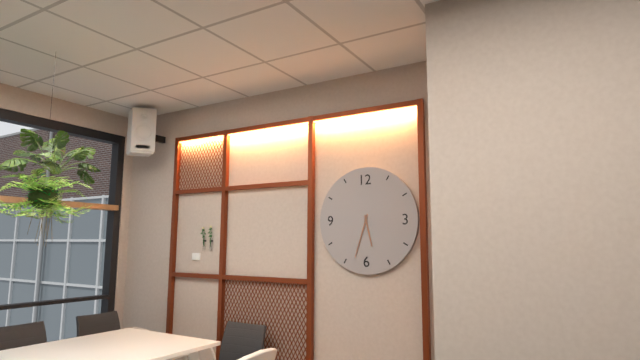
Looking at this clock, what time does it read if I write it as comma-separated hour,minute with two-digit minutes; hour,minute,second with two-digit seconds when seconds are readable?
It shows 5,33
